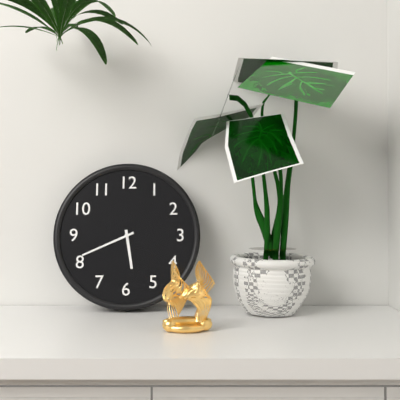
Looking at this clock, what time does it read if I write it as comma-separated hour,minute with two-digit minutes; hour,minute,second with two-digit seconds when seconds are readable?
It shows 5,41
